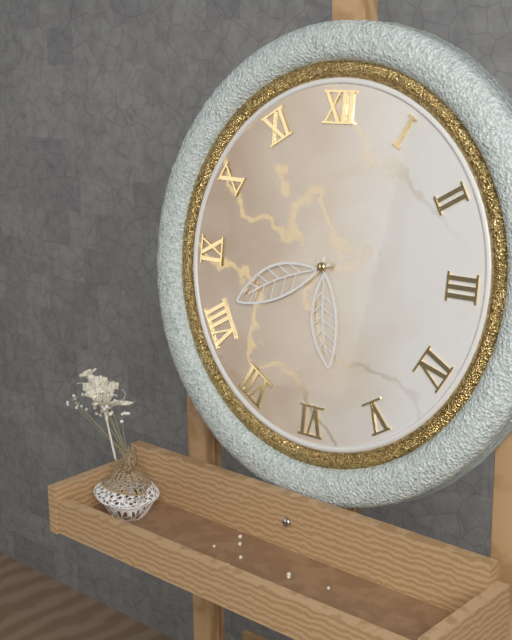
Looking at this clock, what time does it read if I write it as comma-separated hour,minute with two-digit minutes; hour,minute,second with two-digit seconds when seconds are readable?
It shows 5,41
